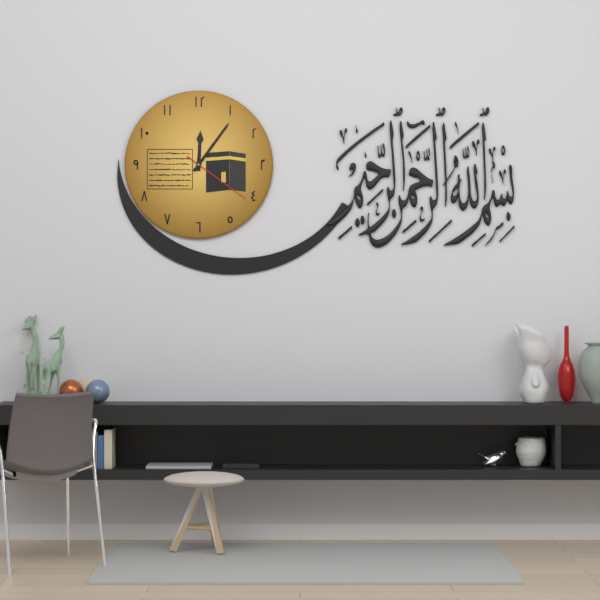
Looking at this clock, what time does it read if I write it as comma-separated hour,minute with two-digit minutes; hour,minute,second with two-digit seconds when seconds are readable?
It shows 12,06,21
